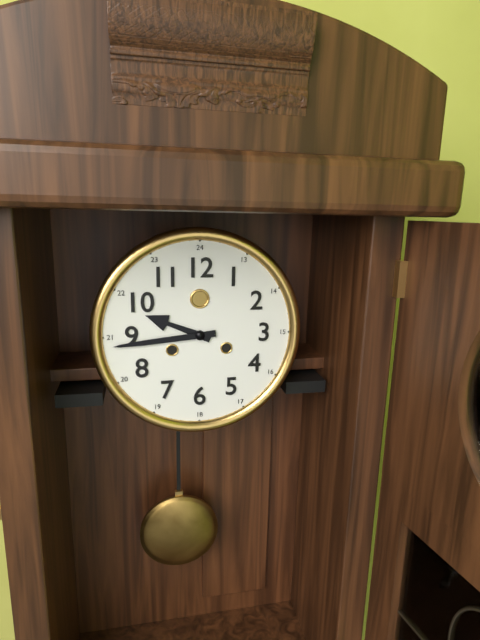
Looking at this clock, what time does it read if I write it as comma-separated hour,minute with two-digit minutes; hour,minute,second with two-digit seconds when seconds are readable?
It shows 9,44
